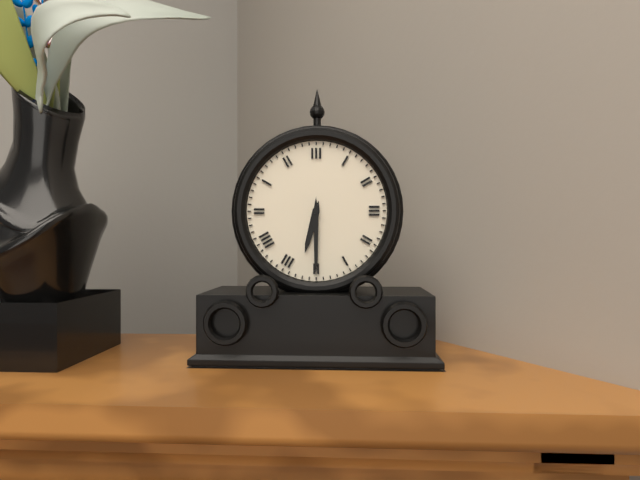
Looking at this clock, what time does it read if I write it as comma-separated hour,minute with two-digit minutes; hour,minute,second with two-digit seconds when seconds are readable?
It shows 6,30
